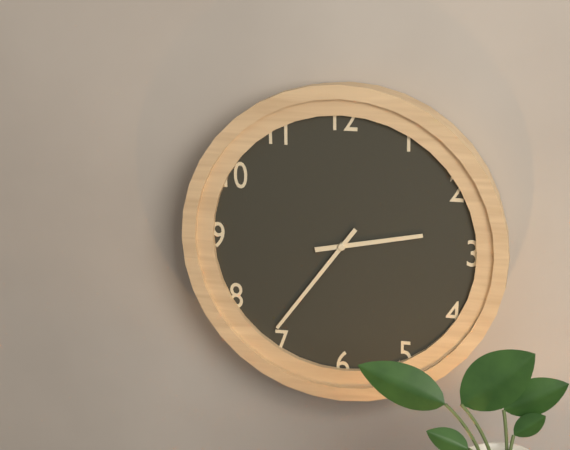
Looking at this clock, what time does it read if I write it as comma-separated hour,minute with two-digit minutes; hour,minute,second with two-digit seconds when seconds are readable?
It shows 2,36
